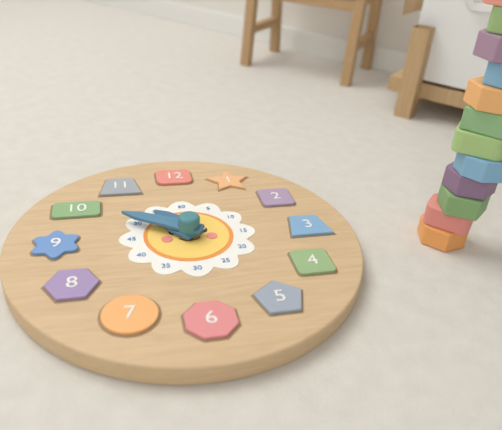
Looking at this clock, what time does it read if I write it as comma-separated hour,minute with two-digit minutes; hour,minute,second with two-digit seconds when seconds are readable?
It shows 10,50
